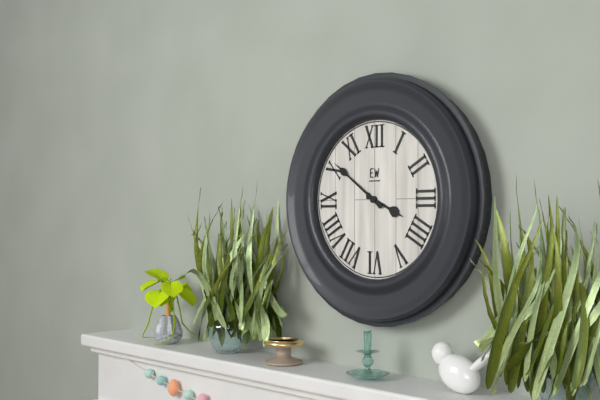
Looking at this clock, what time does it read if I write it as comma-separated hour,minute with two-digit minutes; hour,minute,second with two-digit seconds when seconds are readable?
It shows 3,51
